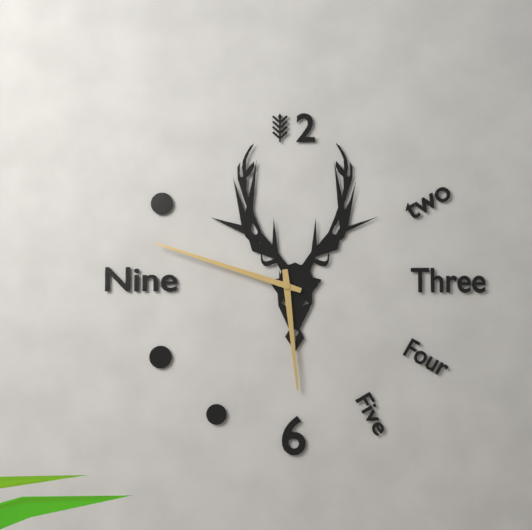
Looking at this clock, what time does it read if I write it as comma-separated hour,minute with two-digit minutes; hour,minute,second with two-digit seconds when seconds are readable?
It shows 5,48
